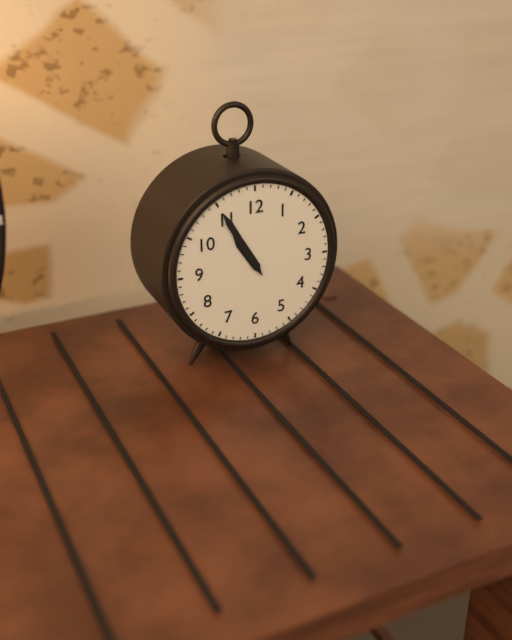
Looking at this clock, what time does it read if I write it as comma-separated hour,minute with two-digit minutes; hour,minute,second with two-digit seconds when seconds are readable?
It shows 10,55
